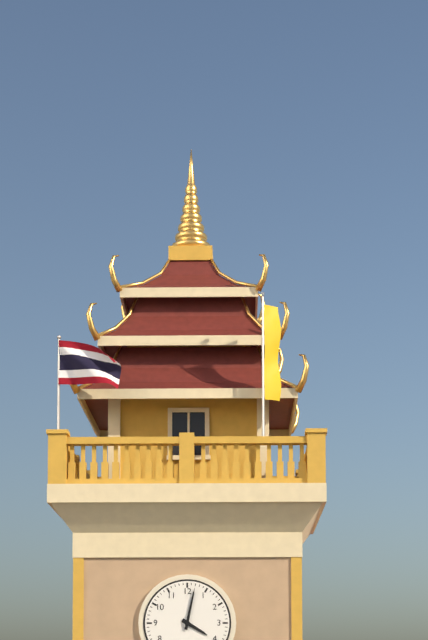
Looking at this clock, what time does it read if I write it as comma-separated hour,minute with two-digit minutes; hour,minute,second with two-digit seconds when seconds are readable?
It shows 4,02
